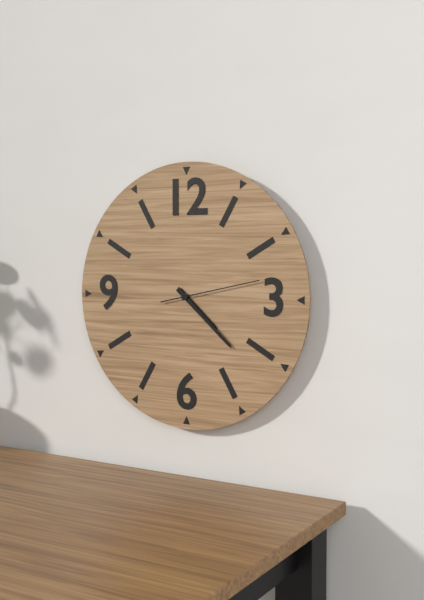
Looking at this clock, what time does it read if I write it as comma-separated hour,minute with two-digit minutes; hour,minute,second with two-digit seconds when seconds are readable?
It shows 4,22,13
